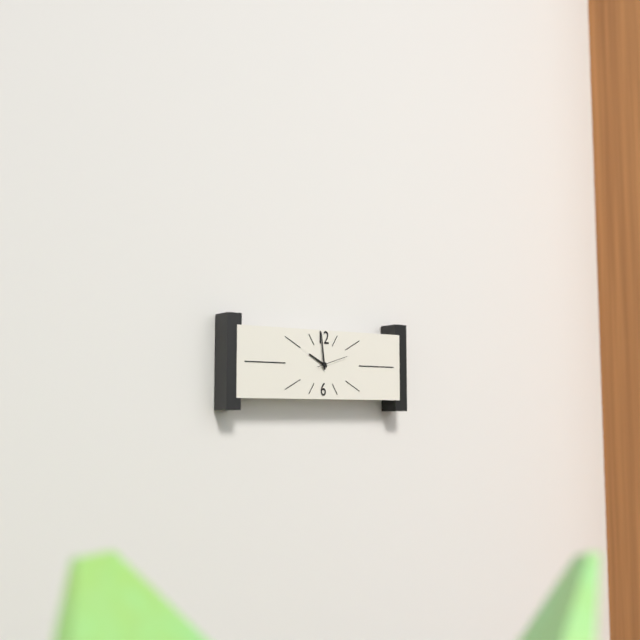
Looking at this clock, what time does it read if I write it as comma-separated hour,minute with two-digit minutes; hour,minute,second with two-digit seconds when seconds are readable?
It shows 9,59
